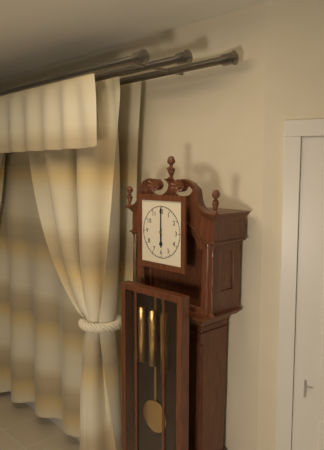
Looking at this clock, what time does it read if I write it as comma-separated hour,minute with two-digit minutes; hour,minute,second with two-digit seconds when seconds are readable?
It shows 6,00
